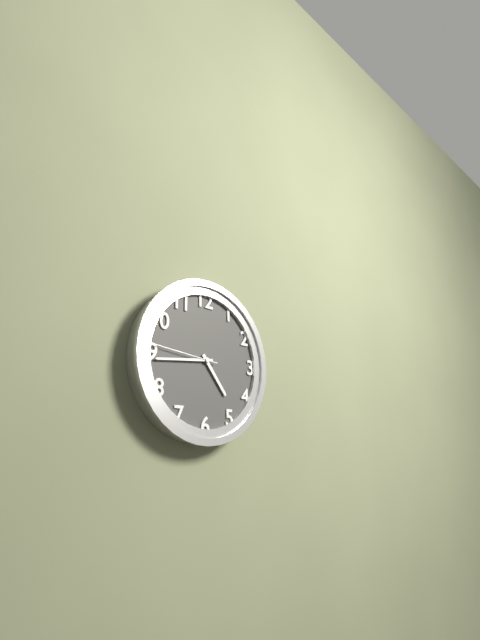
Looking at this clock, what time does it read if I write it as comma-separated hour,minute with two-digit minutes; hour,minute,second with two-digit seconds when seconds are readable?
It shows 4,44,46
